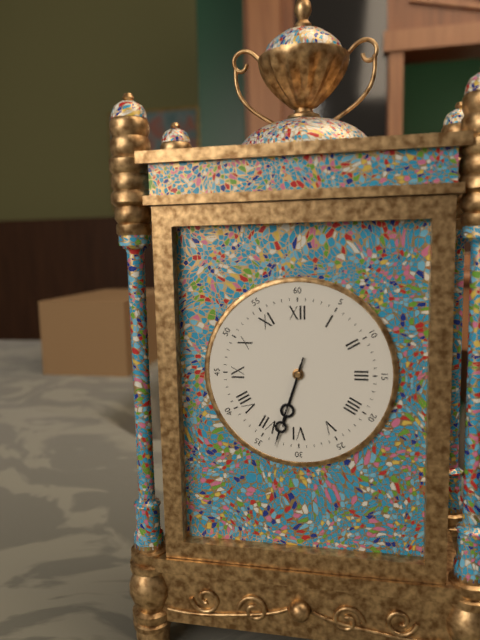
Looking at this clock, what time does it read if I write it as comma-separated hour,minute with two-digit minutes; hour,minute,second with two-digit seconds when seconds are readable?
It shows 6,33
